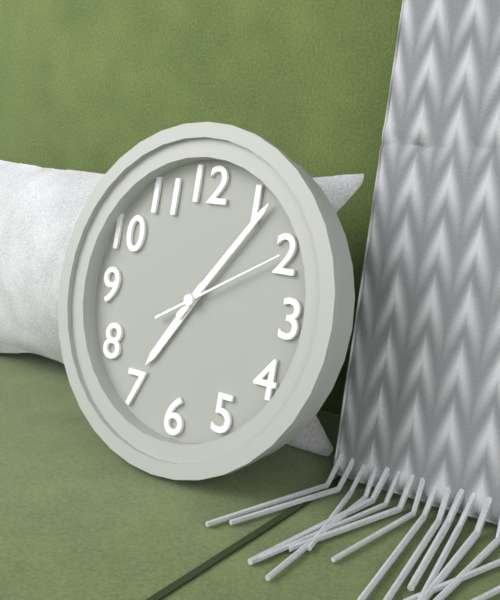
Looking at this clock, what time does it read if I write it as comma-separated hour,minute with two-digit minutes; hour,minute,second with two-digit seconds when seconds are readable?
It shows 7,06,10
